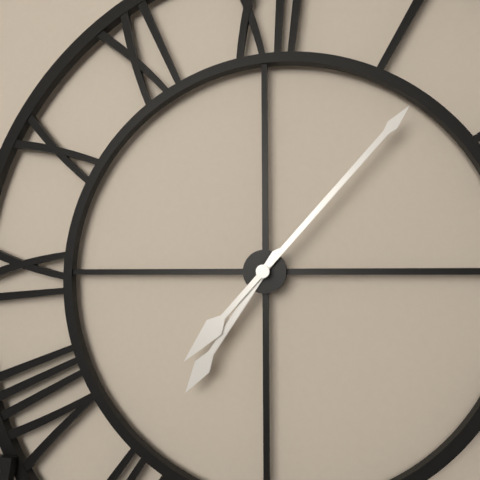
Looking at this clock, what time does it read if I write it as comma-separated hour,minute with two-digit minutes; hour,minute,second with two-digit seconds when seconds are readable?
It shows 7,07
